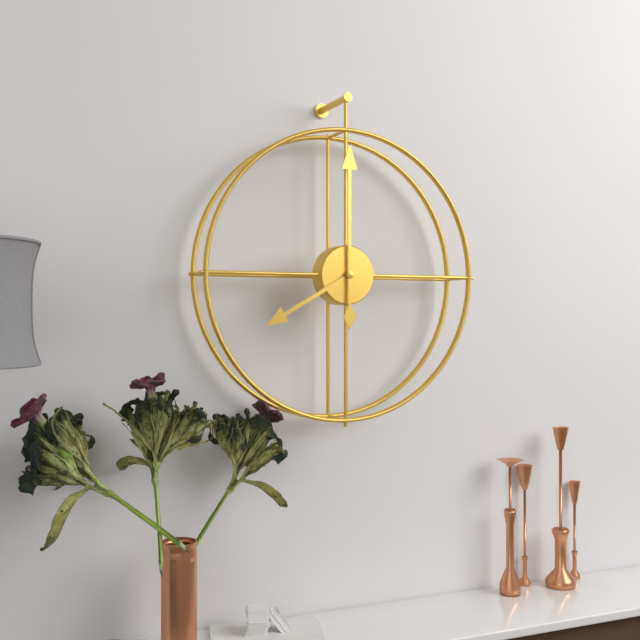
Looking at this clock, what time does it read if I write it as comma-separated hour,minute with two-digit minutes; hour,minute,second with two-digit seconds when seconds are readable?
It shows 8,00
